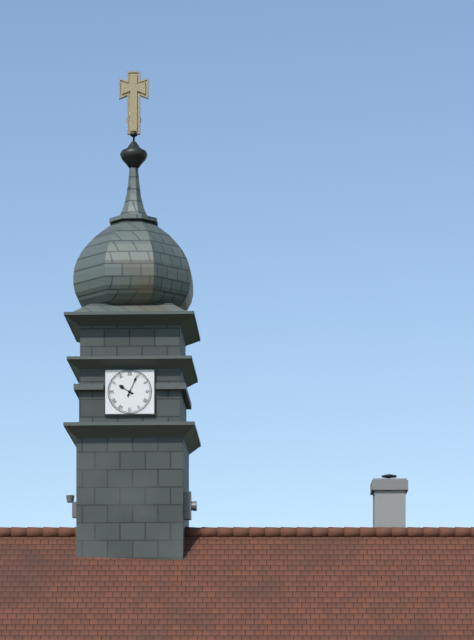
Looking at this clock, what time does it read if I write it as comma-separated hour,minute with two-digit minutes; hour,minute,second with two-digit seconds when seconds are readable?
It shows 10,04
